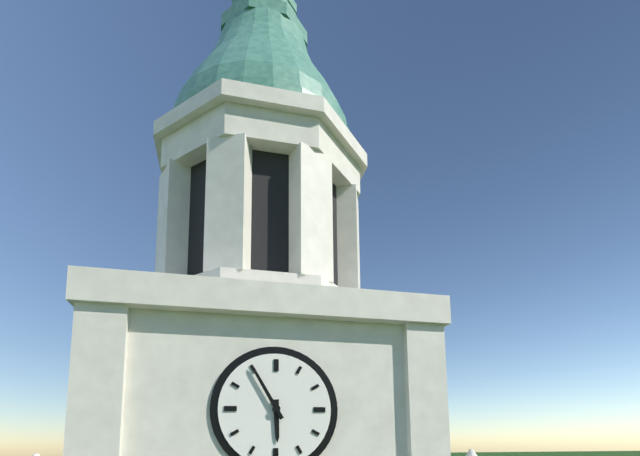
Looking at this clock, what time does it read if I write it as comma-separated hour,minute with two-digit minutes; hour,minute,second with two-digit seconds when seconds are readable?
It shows 5,55
